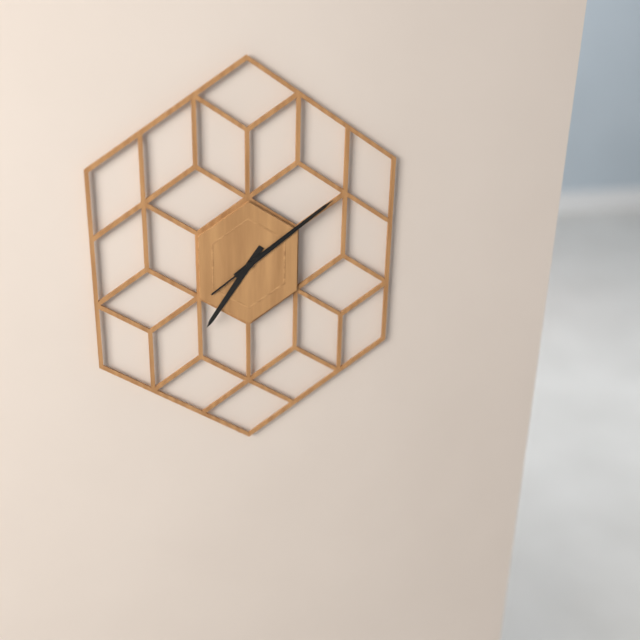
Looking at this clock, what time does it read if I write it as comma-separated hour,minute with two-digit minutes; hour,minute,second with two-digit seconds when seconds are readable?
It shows 7,09,09
